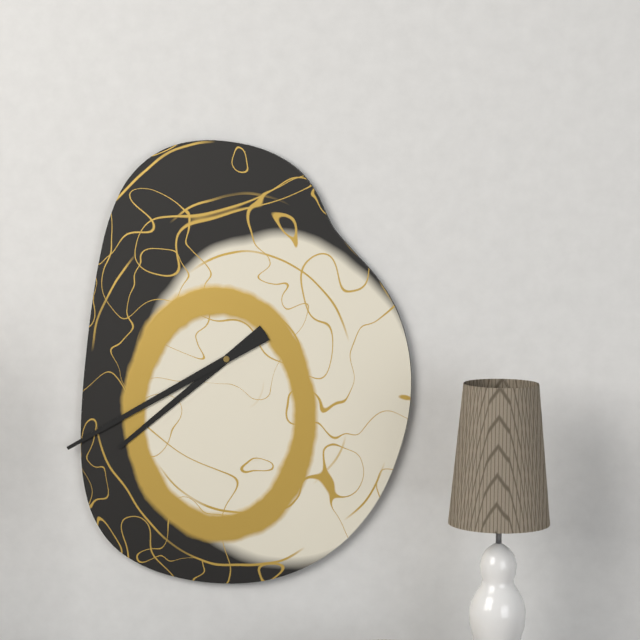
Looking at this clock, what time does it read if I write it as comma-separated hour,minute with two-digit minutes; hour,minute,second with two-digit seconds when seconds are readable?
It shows 7,40
